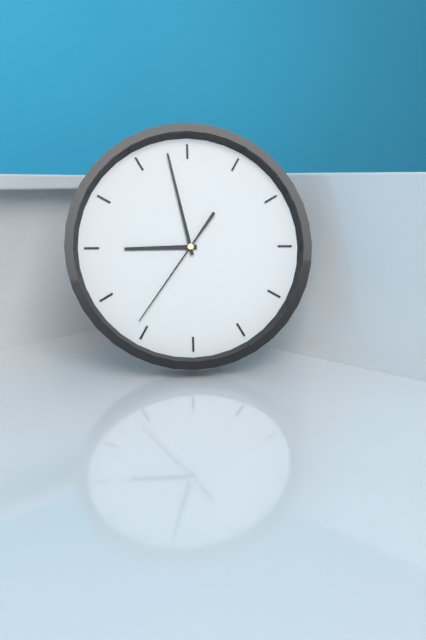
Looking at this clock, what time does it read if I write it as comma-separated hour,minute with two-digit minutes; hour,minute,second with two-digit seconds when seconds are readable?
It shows 8,58,36
